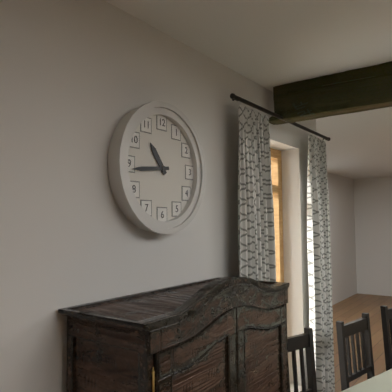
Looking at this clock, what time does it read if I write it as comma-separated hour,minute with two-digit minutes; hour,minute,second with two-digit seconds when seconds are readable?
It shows 10,44
